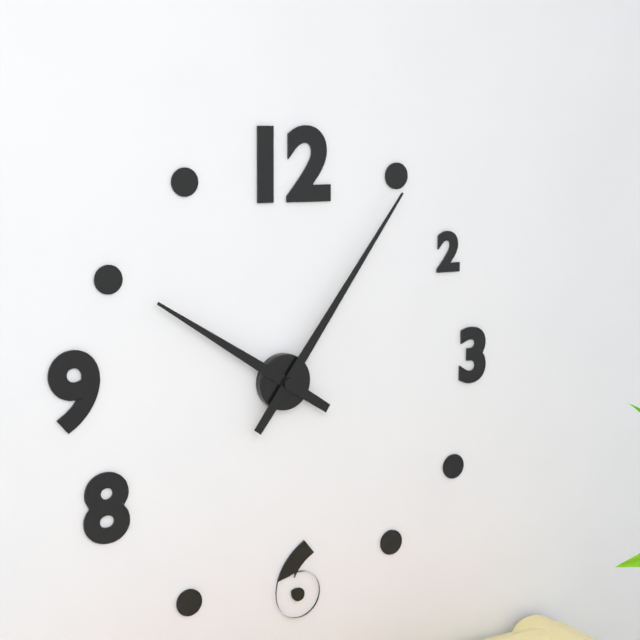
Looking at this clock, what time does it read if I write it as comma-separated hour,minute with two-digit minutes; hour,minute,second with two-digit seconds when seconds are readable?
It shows 10,06
